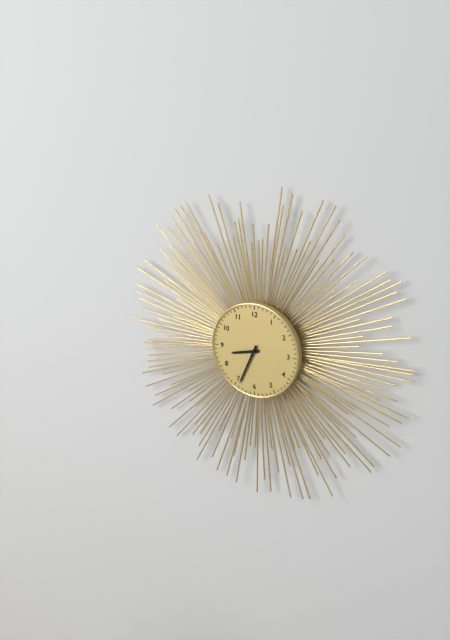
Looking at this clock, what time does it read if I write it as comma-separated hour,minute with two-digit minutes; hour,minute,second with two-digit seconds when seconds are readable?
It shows 8,34
